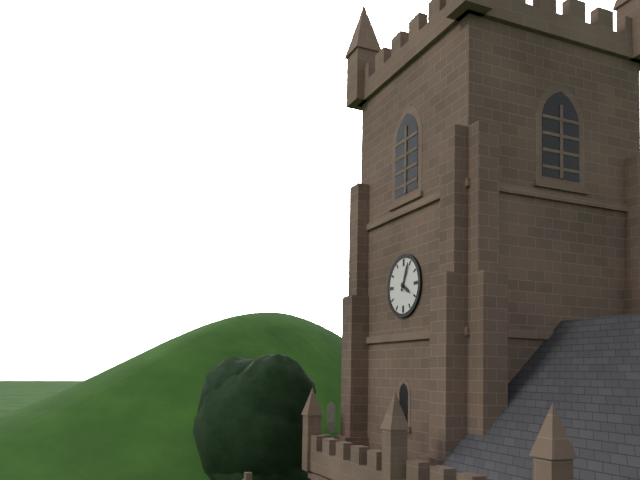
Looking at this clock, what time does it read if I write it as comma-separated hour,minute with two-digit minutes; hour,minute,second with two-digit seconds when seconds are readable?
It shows 4,04
